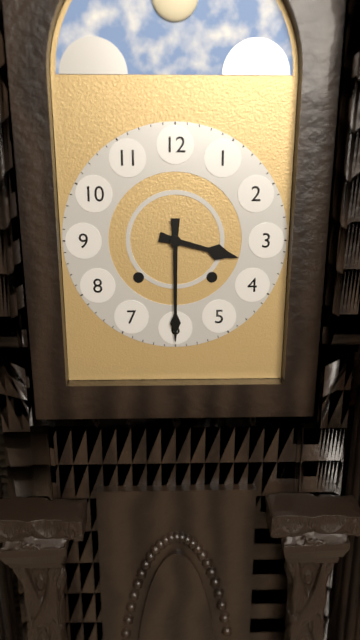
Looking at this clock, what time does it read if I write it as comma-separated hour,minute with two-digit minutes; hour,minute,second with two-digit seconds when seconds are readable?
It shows 3,30
